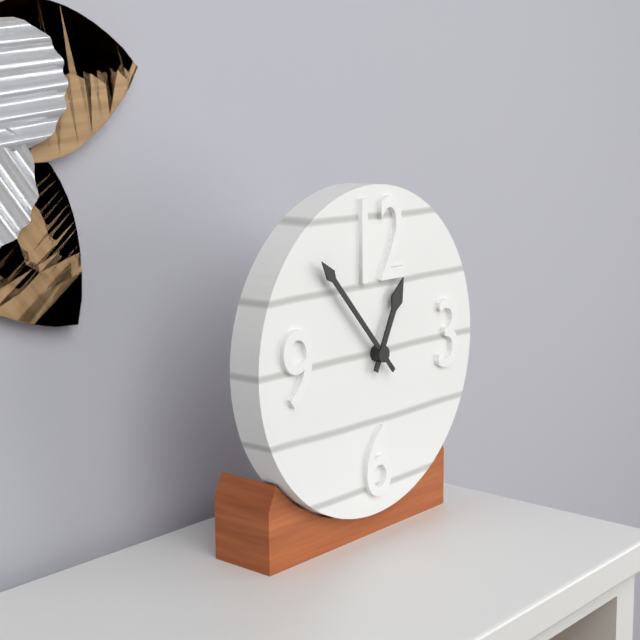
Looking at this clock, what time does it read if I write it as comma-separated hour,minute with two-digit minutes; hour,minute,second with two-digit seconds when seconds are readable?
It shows 12,53
